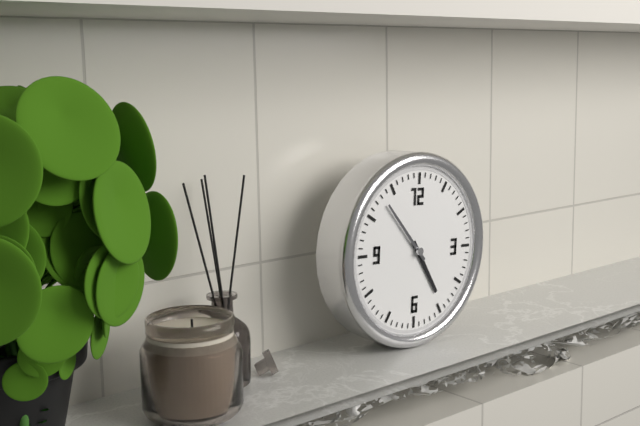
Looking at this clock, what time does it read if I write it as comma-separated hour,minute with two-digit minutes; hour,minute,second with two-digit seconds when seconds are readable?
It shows 4,53
